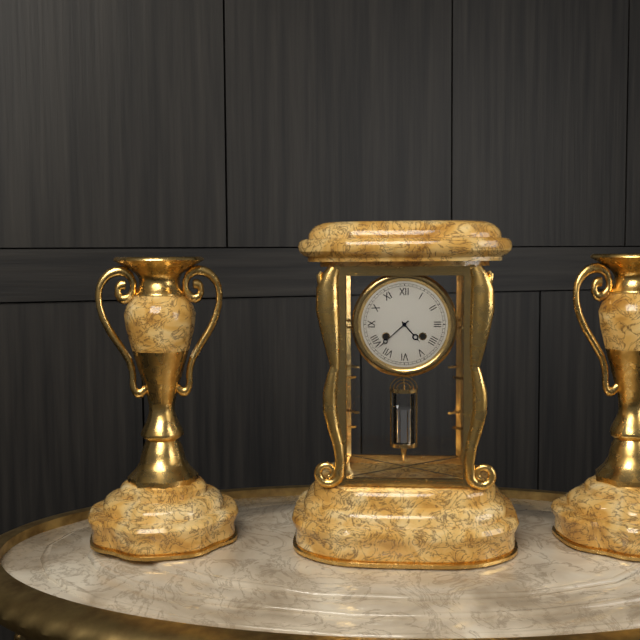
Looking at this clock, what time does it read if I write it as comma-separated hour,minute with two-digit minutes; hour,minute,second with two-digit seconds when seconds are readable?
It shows 4,38
